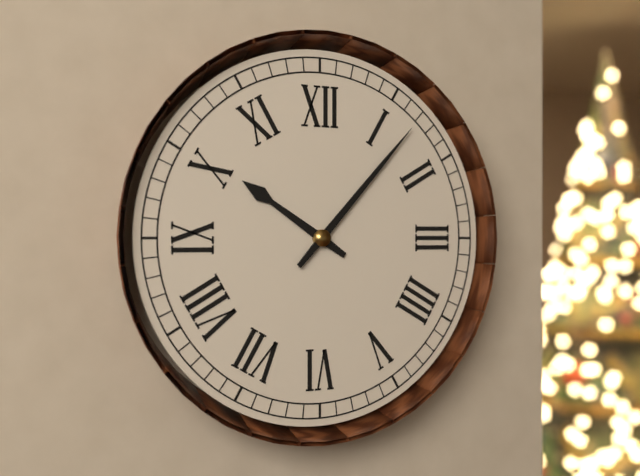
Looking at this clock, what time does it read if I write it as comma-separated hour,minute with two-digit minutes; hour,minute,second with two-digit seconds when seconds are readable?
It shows 10,07
